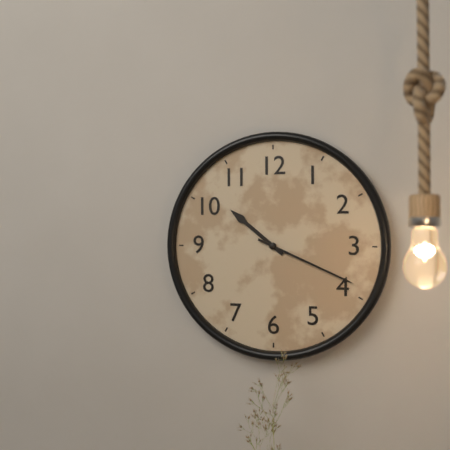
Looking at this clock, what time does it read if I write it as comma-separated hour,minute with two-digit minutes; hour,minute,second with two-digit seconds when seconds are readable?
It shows 10,19
